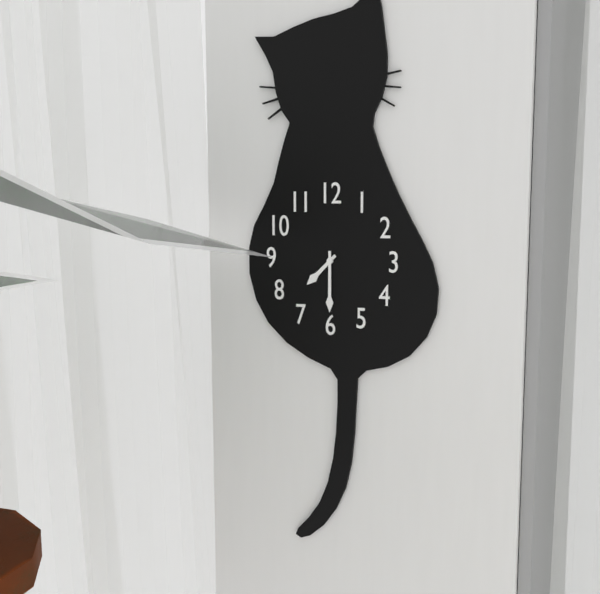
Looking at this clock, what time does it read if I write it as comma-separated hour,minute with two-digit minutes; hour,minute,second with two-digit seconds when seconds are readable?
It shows 7,30
